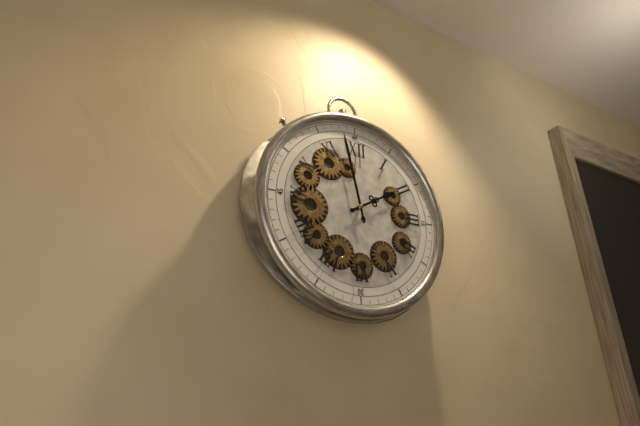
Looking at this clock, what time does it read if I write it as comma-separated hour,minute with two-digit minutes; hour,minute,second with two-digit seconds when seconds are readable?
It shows 1,58
